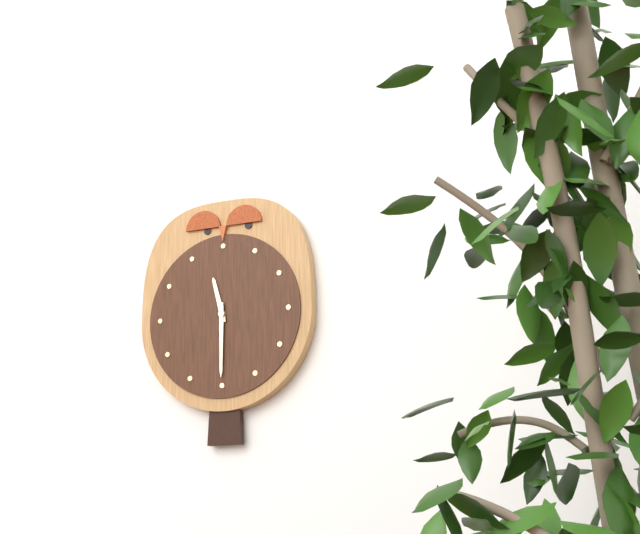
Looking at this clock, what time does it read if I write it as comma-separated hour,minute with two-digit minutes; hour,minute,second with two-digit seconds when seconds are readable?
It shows 11,30
